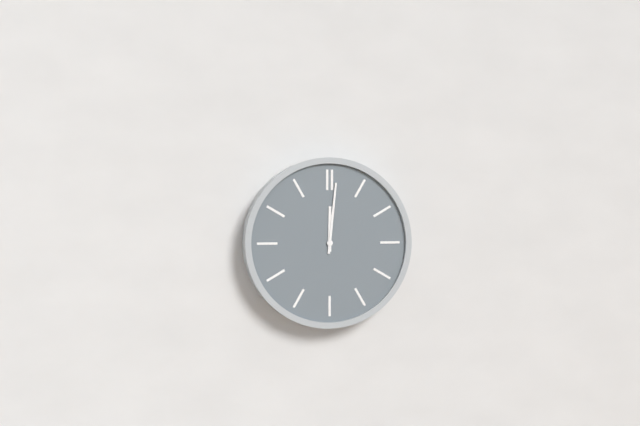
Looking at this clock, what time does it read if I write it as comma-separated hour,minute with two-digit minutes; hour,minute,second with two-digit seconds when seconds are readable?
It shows 12,01
